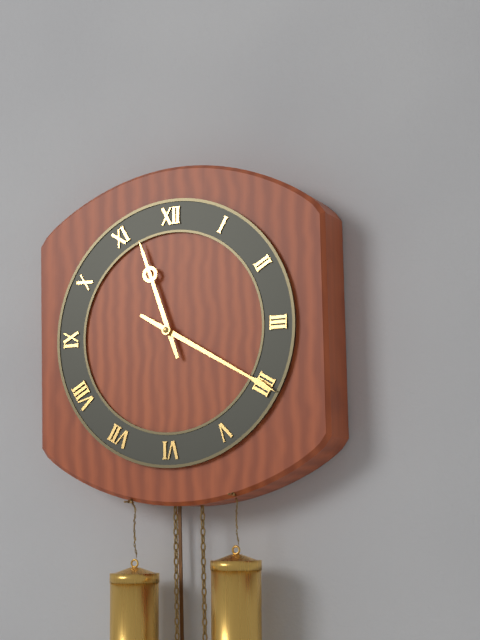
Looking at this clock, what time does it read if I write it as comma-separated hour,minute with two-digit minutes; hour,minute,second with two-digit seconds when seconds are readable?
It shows 11,20
